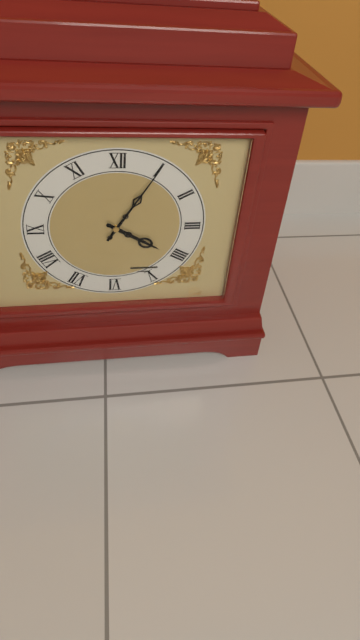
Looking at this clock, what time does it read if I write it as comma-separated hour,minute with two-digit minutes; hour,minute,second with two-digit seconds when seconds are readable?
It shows 4,05
